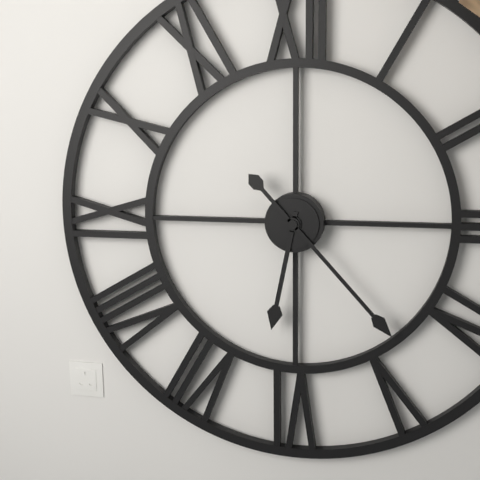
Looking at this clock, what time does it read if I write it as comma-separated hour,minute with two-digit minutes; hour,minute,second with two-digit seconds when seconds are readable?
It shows 6,23
